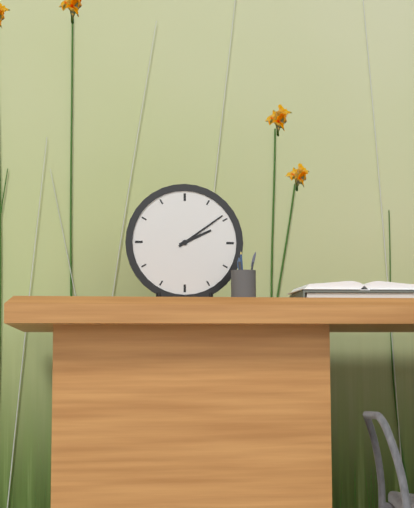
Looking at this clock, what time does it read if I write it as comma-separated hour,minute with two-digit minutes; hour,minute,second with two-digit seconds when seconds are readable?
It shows 2,09
